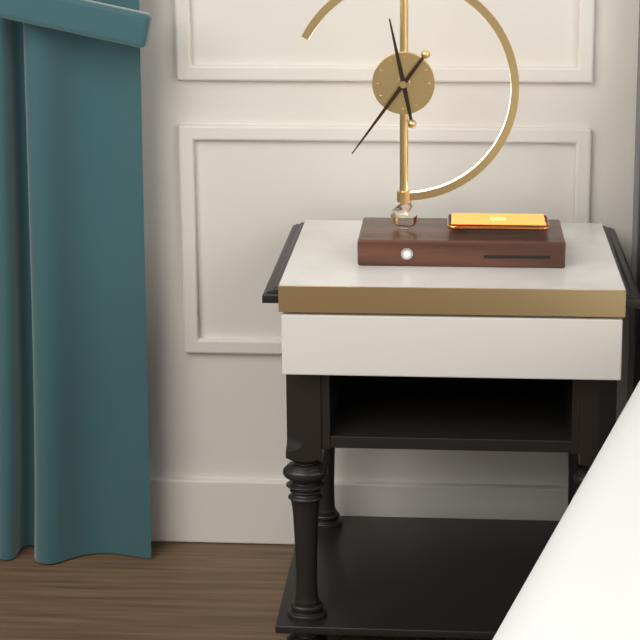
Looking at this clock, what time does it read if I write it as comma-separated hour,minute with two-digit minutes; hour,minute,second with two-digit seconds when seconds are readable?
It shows 11,36
